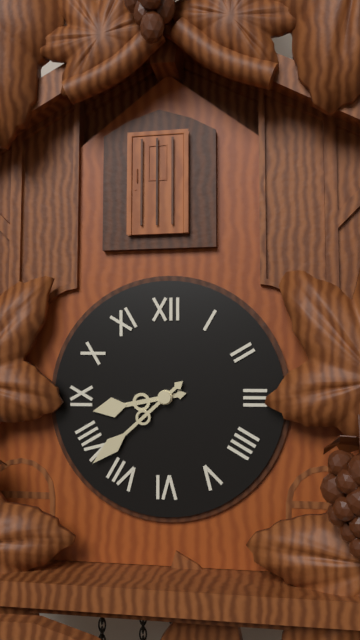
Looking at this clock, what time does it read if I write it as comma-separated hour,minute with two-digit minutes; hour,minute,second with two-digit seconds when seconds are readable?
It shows 8,38
